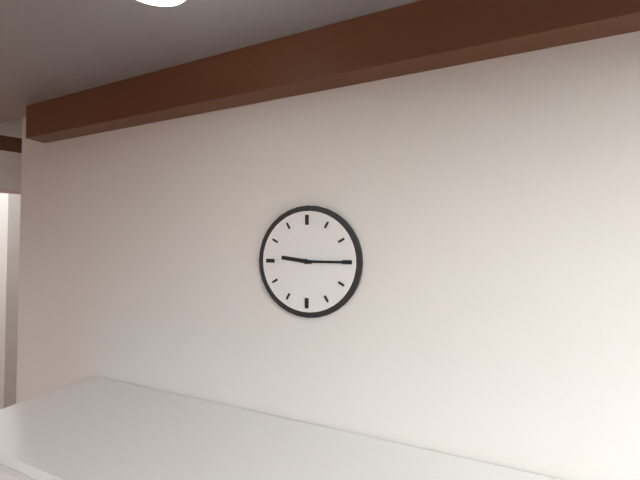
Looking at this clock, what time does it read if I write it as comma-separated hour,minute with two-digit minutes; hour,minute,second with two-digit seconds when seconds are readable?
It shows 9,15
